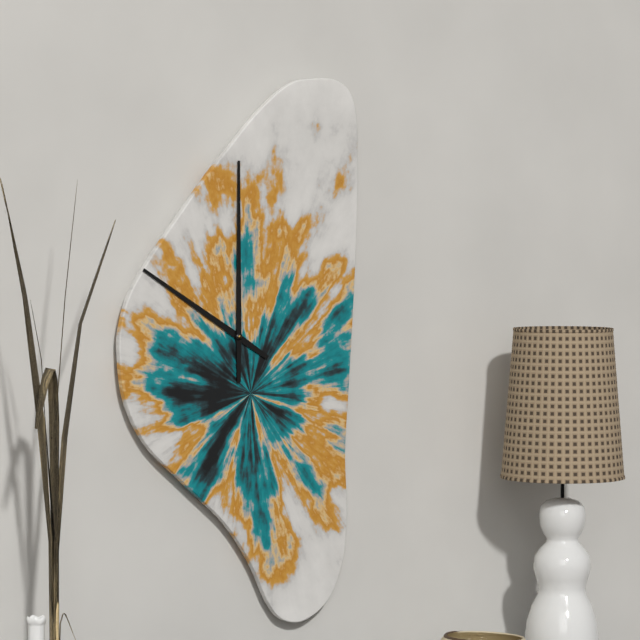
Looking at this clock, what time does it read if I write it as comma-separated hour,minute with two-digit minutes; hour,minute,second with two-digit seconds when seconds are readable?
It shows 10,00
